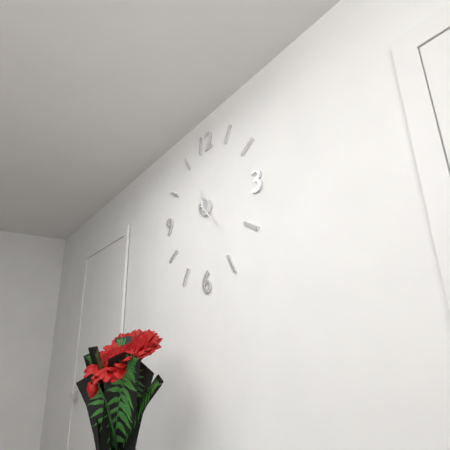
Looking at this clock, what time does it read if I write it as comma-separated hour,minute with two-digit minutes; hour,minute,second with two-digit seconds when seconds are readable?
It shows 11,23
